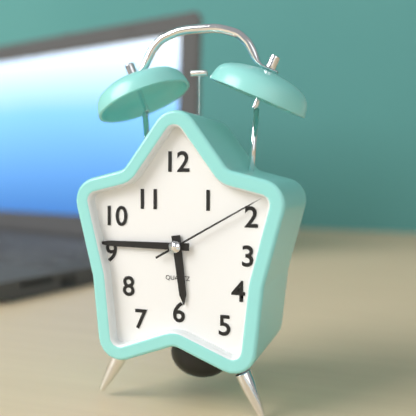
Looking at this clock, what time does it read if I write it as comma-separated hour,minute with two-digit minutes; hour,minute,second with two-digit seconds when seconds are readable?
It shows 5,45,10
